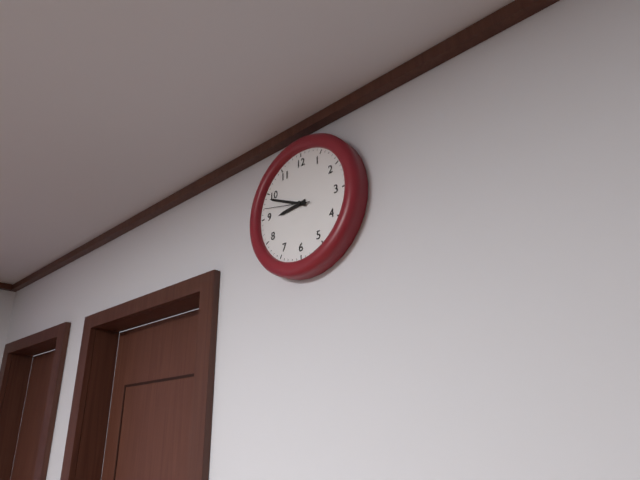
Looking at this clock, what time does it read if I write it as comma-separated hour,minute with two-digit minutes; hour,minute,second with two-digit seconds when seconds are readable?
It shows 8,49
